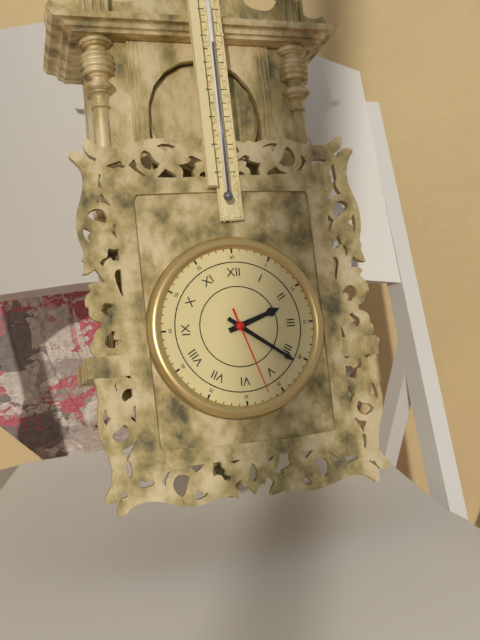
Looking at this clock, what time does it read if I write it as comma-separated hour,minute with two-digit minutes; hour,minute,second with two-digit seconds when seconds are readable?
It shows 2,21,27
